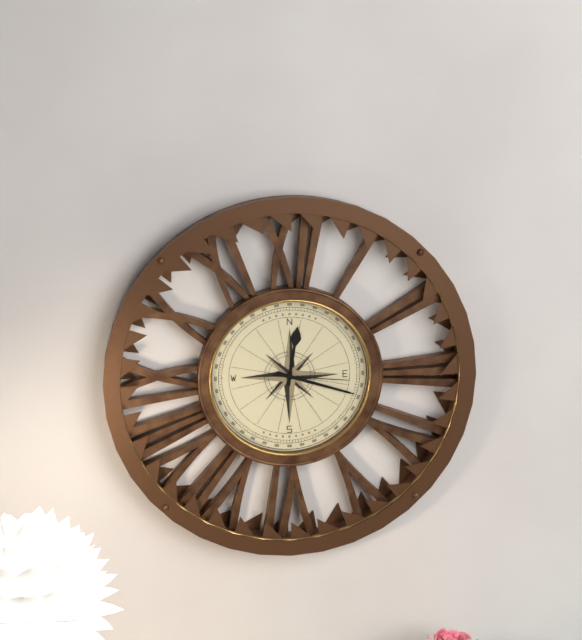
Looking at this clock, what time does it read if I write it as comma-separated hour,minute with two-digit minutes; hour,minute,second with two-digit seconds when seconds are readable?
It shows 12,18,16
